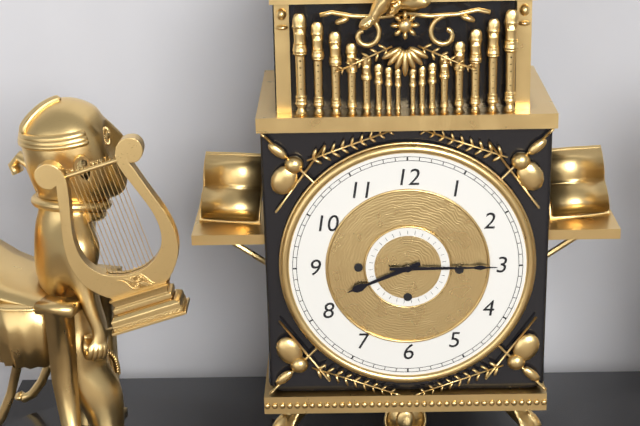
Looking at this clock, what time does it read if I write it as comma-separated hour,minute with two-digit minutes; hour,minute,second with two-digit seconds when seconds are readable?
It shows 8,15
